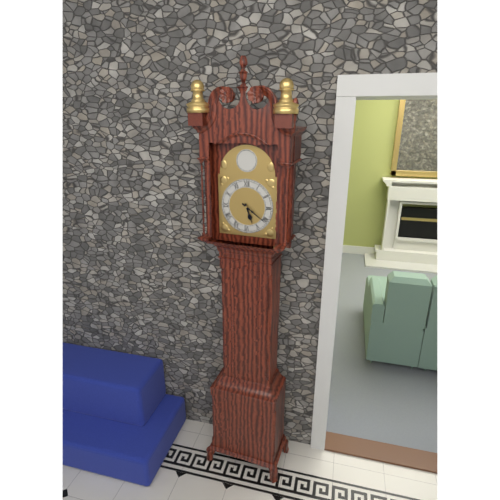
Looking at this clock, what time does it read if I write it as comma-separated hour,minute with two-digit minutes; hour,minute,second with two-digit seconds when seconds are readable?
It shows 5,21
